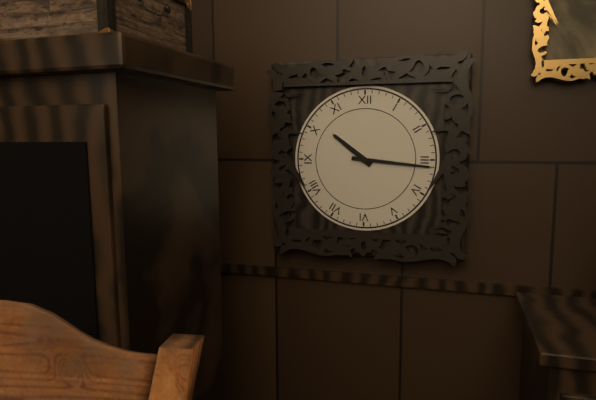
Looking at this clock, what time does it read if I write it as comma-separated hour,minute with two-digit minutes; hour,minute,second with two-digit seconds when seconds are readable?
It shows 10,16
